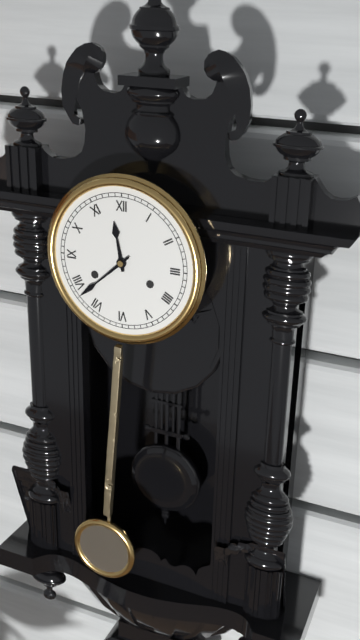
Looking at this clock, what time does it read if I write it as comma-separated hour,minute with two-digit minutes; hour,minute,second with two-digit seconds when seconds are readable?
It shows 11,38
